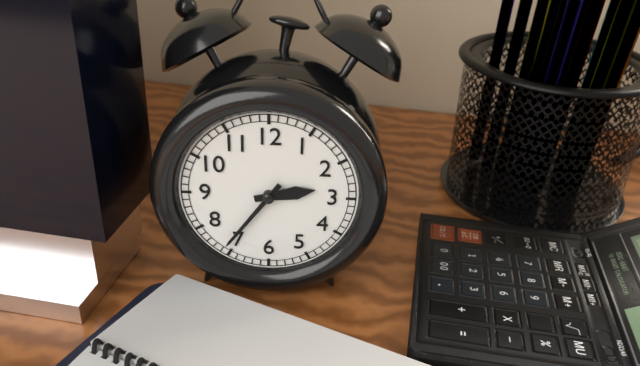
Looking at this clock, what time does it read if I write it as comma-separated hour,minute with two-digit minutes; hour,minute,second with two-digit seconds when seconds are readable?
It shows 2,36
